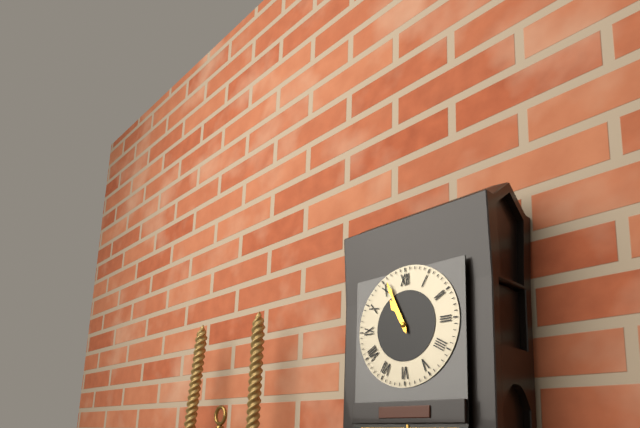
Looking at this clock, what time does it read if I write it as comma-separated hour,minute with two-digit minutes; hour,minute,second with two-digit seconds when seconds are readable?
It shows 10,56
